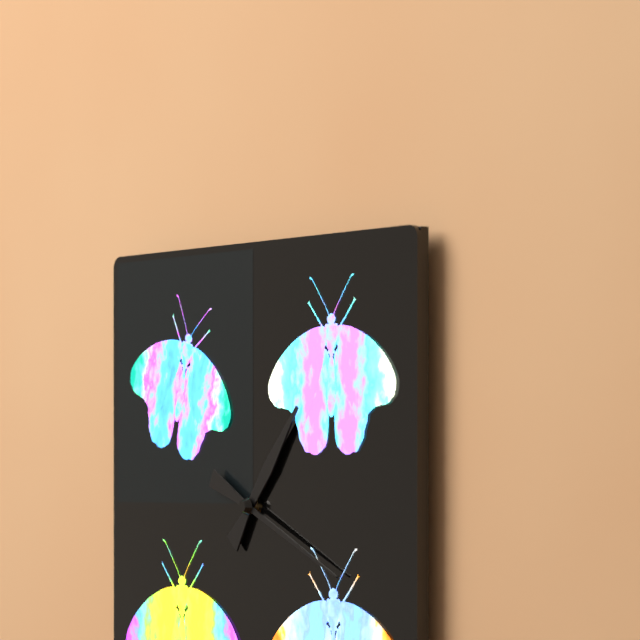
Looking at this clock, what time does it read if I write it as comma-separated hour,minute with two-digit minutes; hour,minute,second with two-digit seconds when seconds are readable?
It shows 1,19
